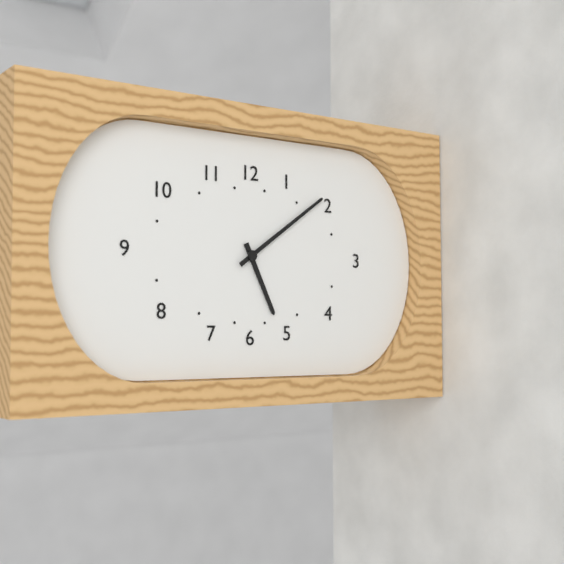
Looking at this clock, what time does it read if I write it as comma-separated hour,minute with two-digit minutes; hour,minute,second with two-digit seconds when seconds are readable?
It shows 5,09
